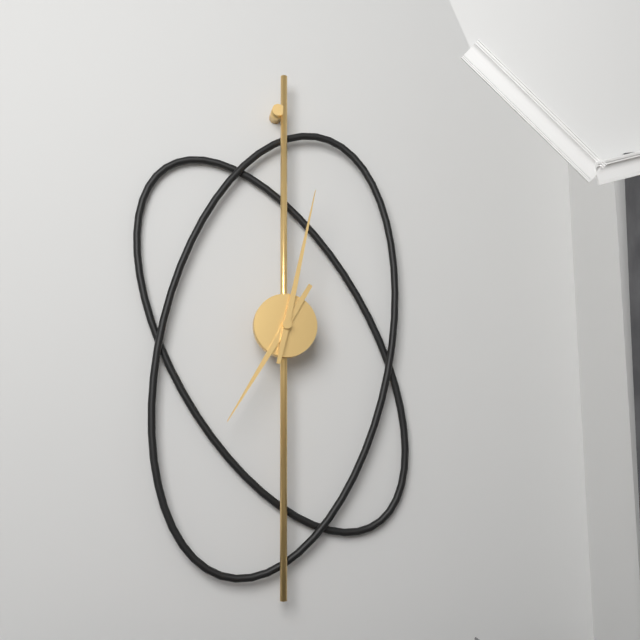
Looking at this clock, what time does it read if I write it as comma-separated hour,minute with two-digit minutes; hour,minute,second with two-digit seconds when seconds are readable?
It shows 7,02
